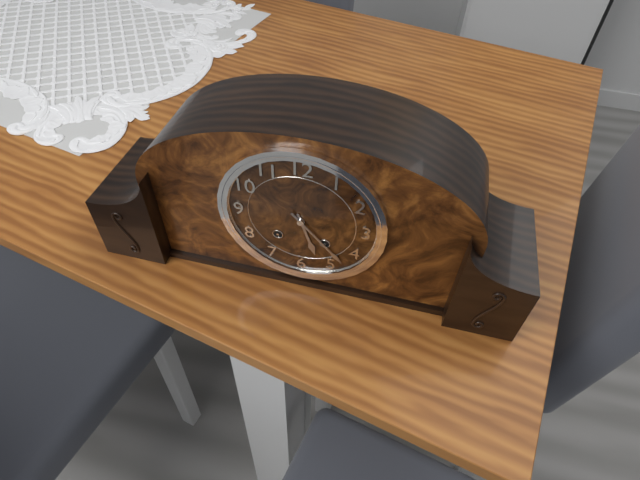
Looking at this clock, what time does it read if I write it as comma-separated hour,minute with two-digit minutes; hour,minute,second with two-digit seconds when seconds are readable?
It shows 5,23
